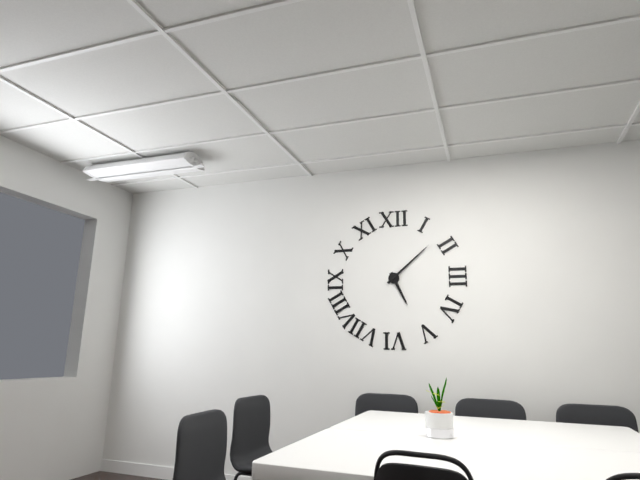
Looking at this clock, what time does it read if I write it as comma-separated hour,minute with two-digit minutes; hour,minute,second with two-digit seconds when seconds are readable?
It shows 5,08
